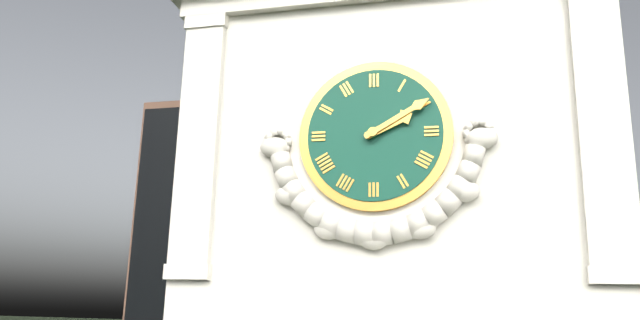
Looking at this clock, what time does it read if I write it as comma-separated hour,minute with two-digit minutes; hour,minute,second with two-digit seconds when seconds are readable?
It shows 2,10
